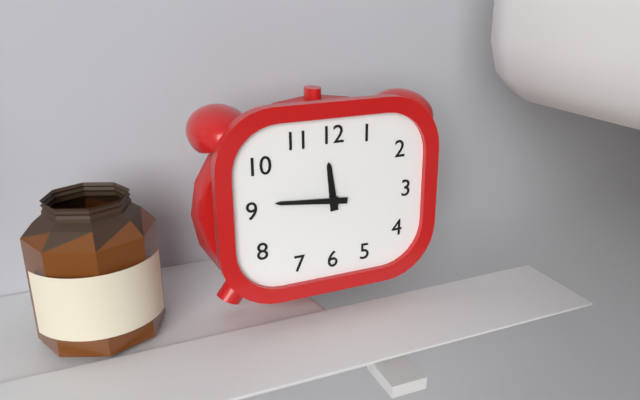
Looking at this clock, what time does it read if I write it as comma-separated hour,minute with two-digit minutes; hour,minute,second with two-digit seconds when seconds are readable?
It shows 11,46
